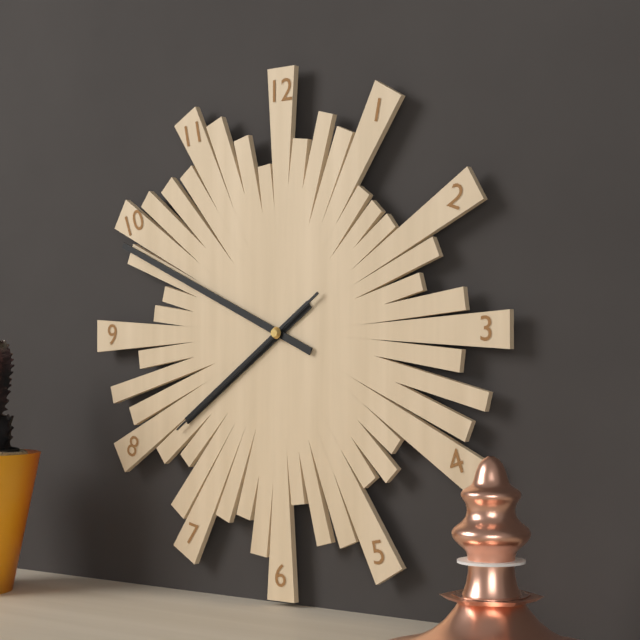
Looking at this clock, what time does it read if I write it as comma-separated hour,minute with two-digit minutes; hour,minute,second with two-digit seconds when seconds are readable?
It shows 7,49,39
